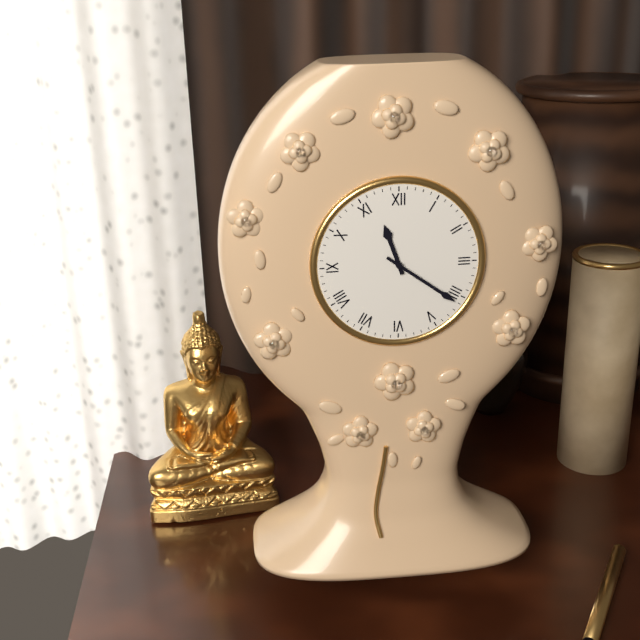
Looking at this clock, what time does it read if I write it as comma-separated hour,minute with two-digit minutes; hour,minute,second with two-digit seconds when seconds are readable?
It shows 11,21
